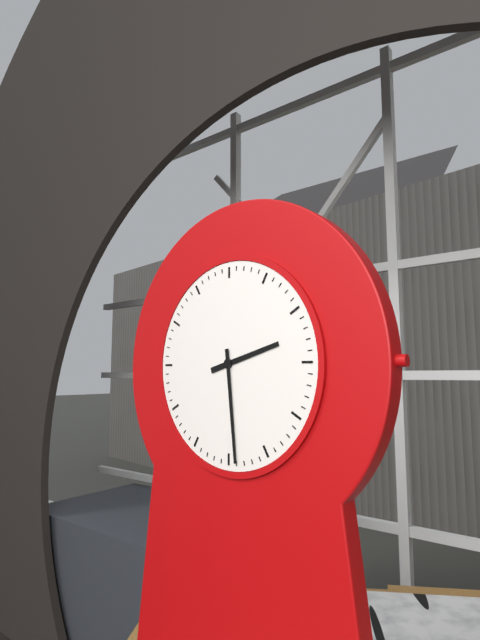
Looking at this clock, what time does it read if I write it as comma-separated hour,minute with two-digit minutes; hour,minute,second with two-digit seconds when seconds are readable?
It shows 2,29
